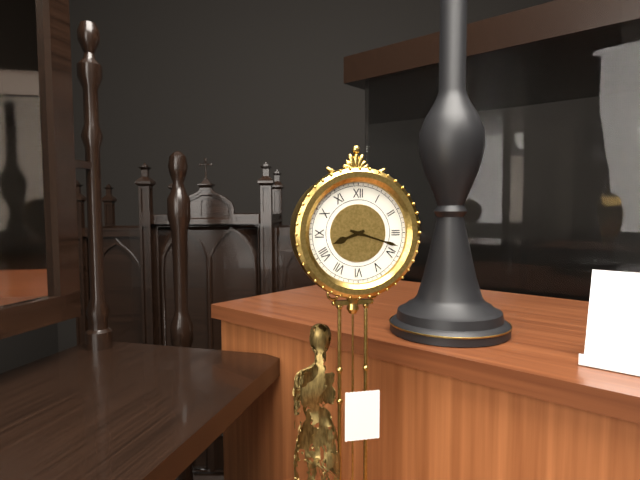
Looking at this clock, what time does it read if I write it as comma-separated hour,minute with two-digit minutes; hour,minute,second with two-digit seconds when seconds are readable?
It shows 8,18
